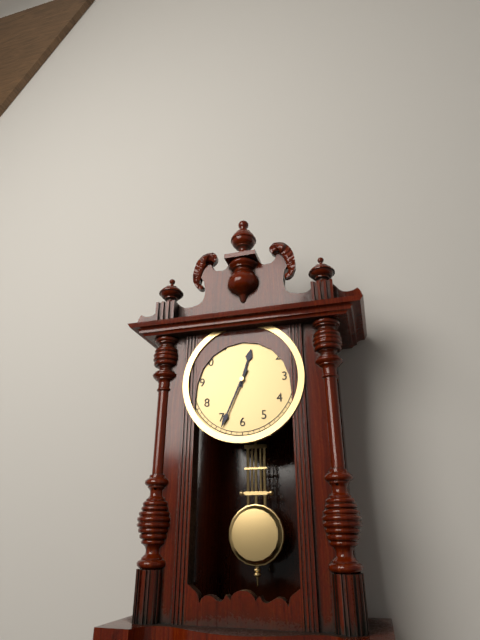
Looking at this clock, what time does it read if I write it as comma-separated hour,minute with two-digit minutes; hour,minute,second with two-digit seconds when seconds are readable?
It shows 12,34
